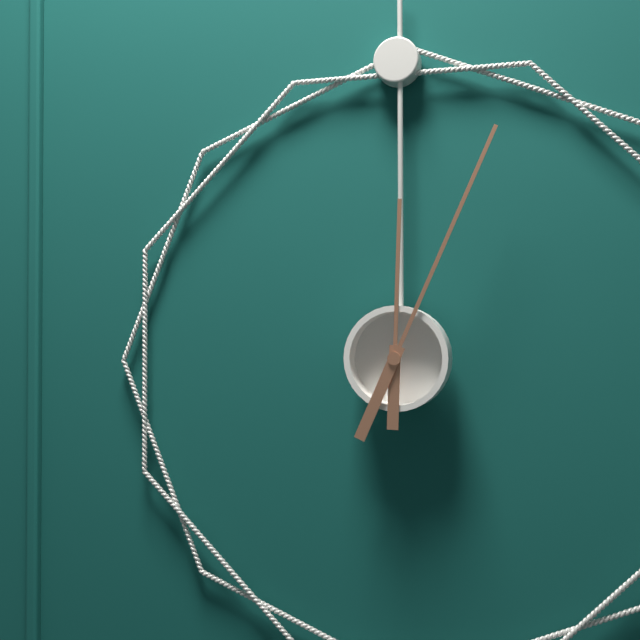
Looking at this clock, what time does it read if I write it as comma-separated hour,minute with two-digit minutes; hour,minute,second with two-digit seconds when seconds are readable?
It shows 12,04
